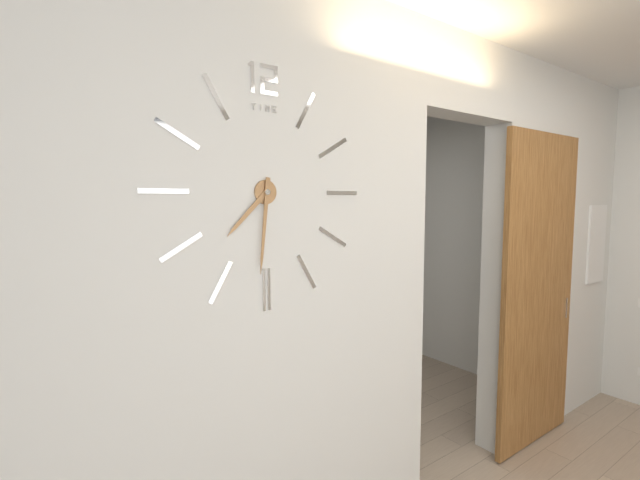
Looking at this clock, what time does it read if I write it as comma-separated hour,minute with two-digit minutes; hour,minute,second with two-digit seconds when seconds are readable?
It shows 7,31
